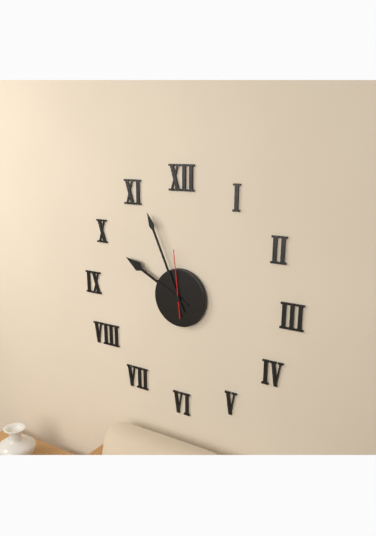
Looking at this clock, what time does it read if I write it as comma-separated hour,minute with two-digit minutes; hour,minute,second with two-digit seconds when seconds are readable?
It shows 9,56,59
